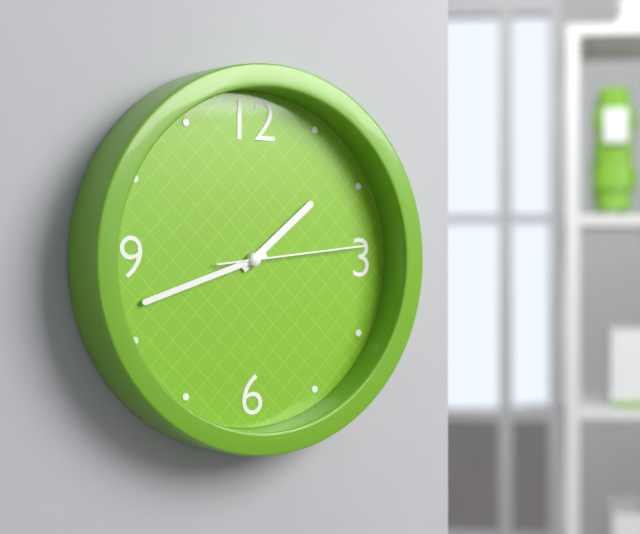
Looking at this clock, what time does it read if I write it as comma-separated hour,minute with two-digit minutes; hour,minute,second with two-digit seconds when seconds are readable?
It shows 1,42,14
